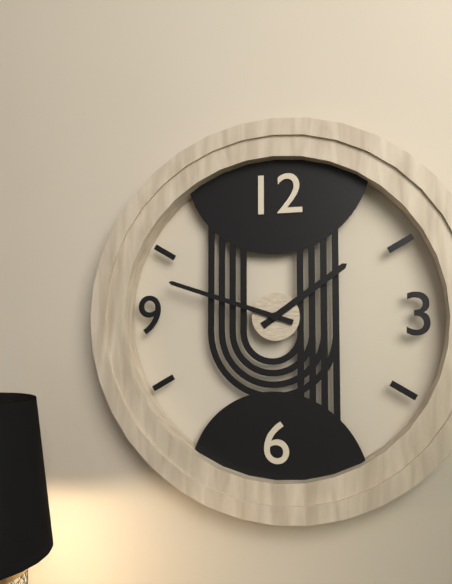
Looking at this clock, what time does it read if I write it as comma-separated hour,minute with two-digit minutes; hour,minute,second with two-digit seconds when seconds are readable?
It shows 1,48
